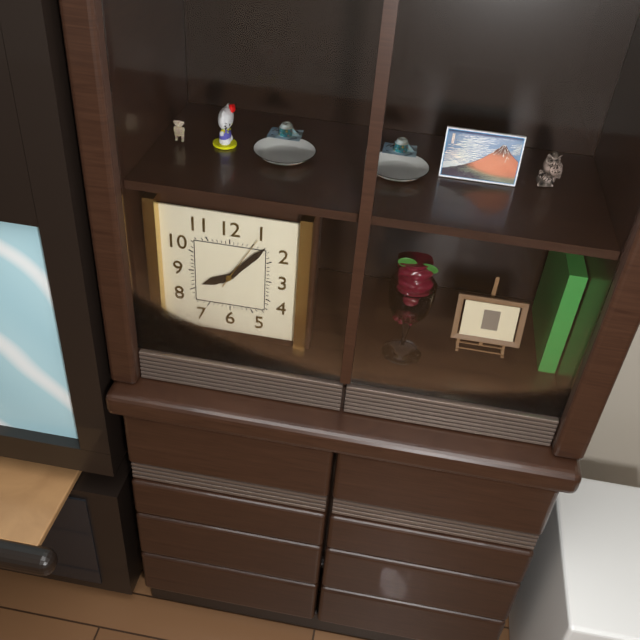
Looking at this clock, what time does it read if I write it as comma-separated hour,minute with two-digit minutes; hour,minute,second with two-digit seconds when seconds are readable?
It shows 8,07,05
